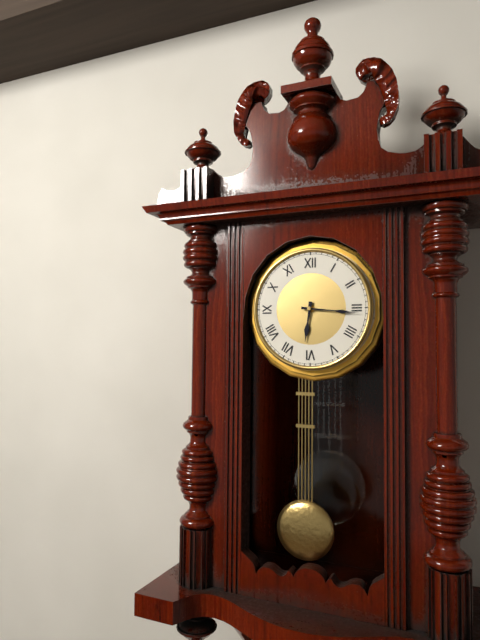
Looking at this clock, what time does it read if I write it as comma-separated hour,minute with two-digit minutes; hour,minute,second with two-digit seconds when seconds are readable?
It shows 6,16
